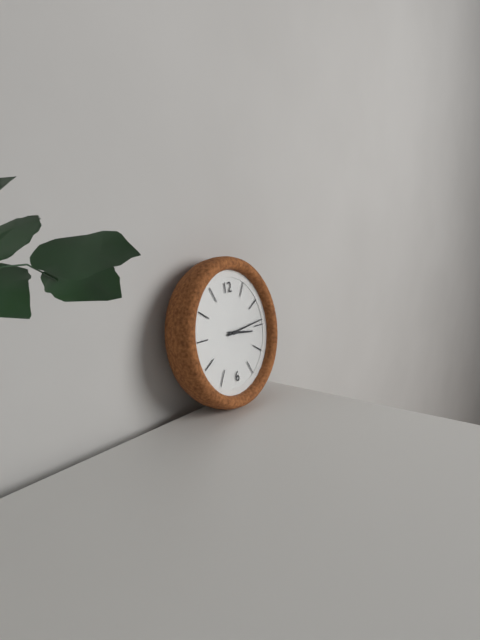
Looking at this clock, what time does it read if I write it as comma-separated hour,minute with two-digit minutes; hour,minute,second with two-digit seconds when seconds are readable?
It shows 3,14
